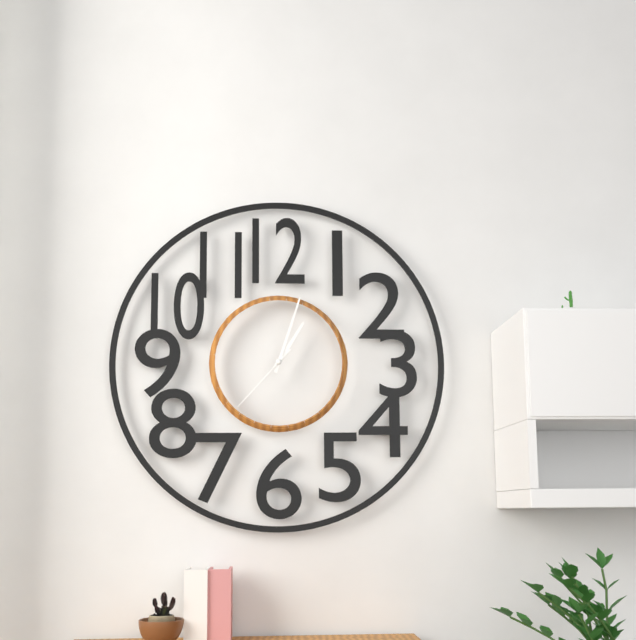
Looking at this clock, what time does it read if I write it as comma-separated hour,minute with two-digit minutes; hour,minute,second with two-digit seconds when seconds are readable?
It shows 1,03,37
